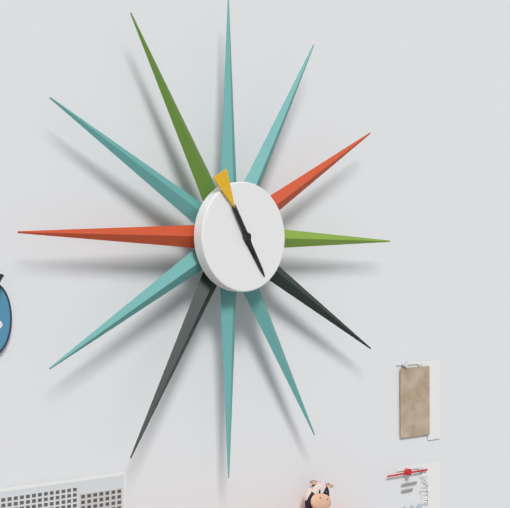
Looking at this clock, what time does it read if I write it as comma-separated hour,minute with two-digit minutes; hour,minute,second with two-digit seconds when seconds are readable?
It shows 4,55
